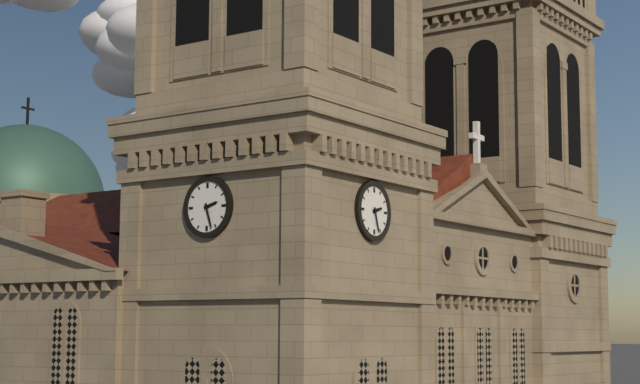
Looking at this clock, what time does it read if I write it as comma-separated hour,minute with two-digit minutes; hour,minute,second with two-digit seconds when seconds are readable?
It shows 2,27
